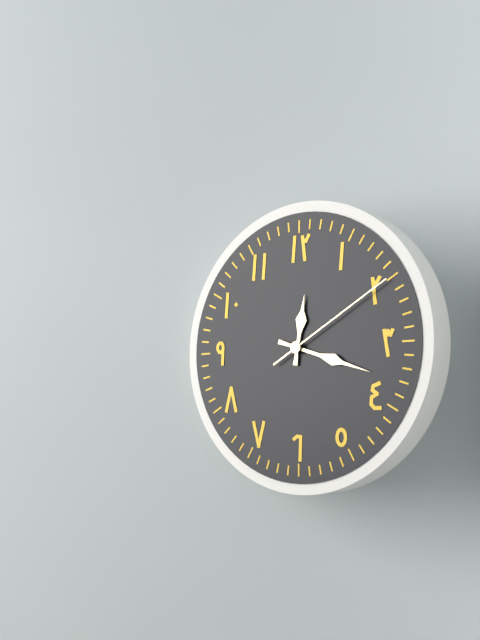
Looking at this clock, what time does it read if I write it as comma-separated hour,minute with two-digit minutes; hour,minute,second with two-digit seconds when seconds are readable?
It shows 12,18,10
